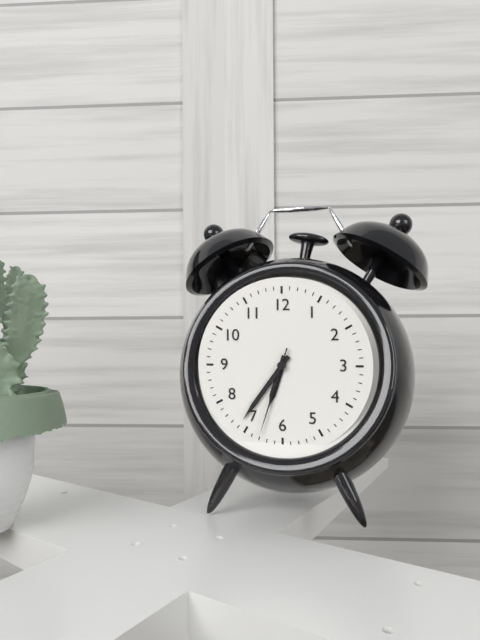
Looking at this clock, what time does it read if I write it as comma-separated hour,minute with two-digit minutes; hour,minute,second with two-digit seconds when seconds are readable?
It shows 6,36,33
